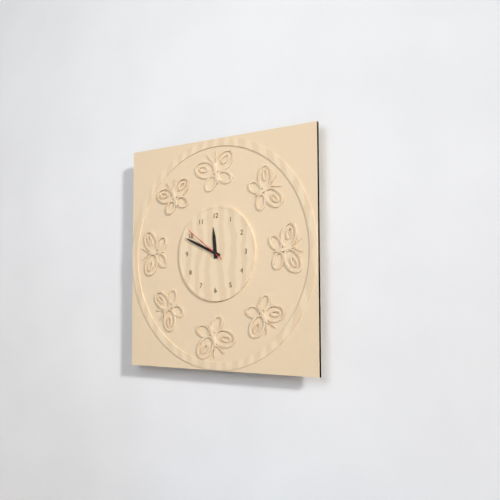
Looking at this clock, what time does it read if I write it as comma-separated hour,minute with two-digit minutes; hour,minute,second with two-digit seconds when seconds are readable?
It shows 11,49
